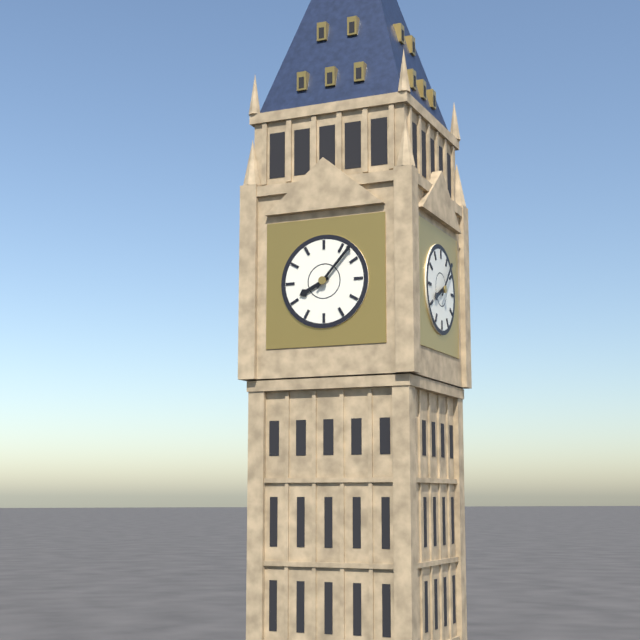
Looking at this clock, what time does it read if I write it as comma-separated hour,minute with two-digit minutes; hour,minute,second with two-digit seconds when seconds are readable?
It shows 8,07
